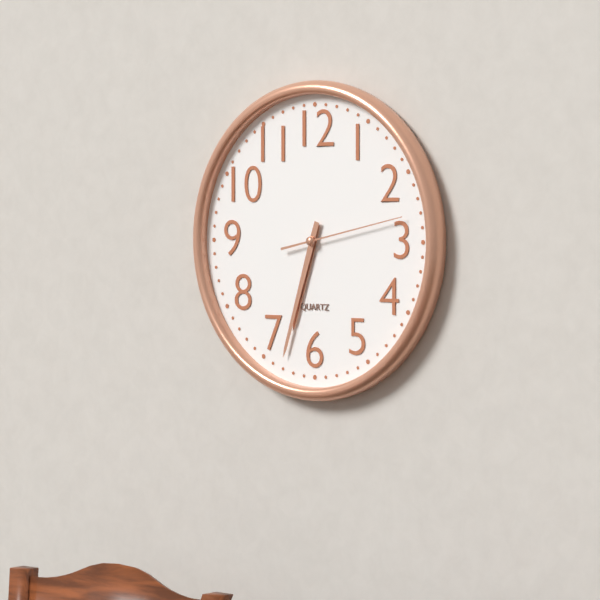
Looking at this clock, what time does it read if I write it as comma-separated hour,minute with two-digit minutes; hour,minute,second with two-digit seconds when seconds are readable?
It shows 6,33,13
